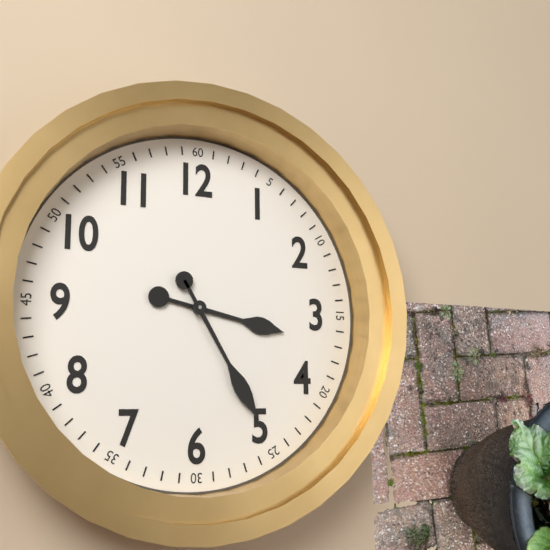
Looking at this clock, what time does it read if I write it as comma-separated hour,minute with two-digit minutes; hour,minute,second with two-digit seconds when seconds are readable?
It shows 3,25
